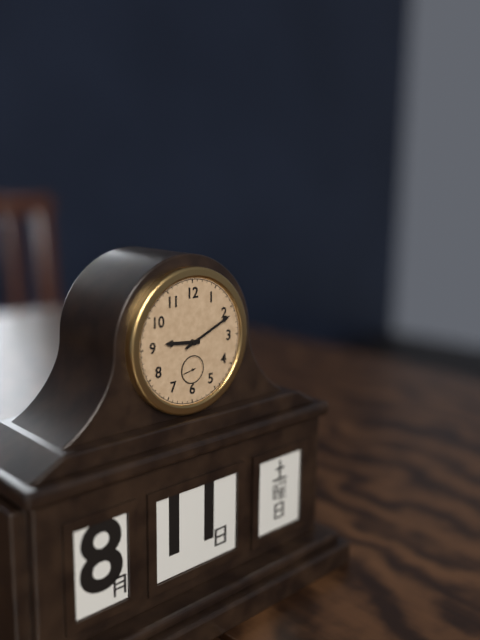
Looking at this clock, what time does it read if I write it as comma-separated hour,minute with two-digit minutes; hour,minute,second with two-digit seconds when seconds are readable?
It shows 9,11
